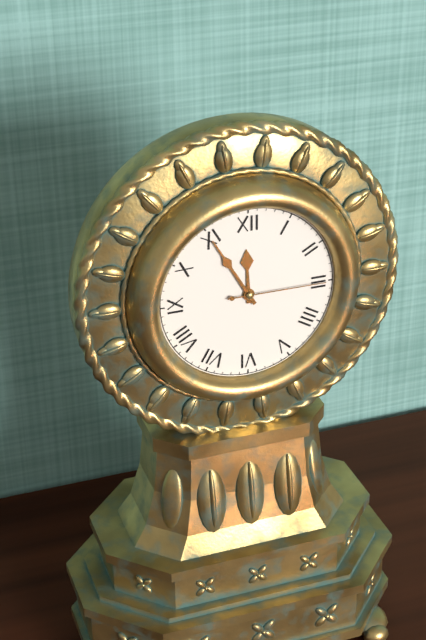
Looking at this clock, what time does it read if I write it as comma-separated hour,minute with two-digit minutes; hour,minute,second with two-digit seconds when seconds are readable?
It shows 11,55,15
